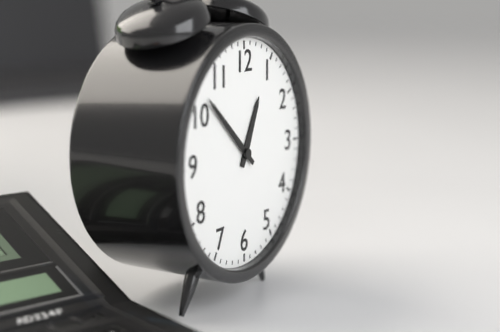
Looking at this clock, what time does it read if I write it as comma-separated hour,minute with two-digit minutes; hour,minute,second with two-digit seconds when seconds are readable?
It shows 12,52
